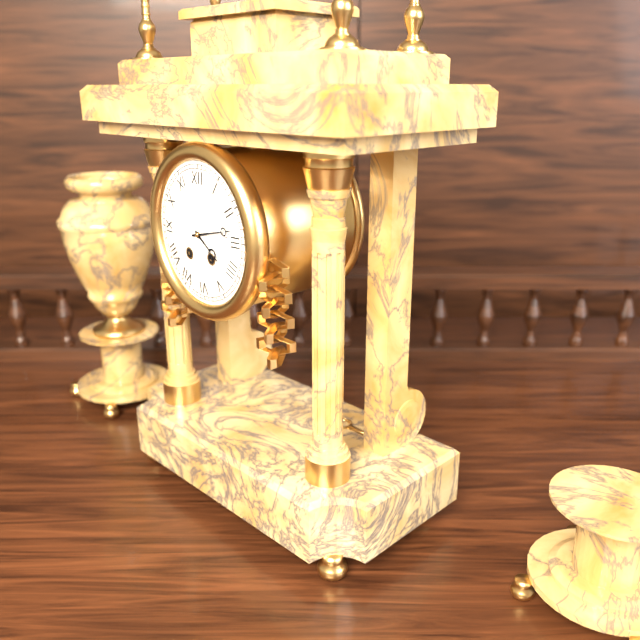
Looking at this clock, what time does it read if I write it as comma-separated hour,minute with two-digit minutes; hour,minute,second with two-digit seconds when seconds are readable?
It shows 4,13
